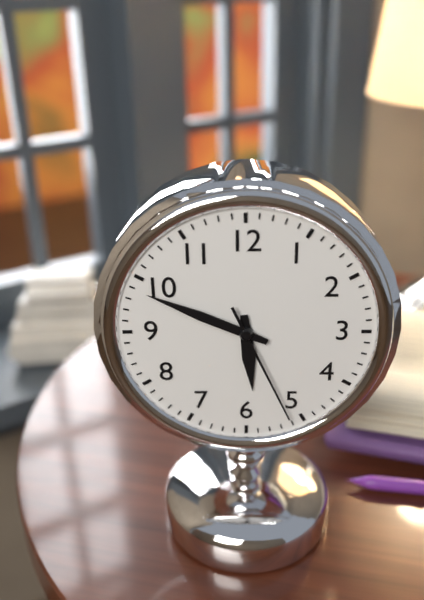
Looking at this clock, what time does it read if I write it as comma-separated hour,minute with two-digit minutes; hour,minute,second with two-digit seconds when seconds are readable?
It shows 5,49,26
